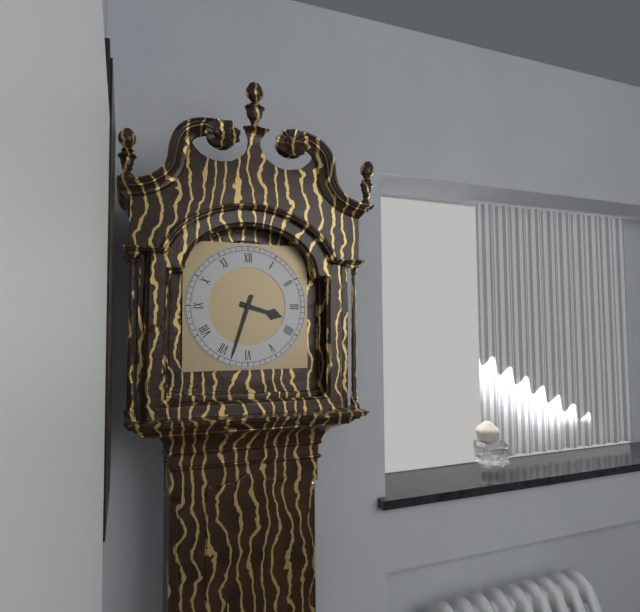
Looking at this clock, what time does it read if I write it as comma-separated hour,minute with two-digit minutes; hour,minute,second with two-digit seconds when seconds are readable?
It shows 3,33
